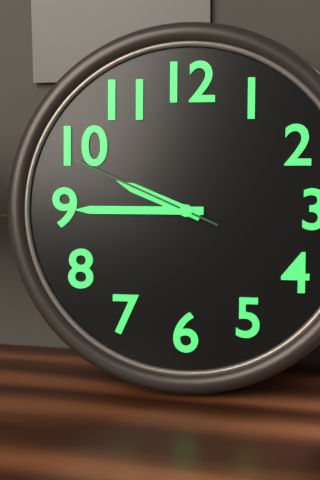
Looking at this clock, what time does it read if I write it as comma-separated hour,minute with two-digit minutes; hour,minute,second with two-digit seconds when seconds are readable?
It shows 9,45,49
